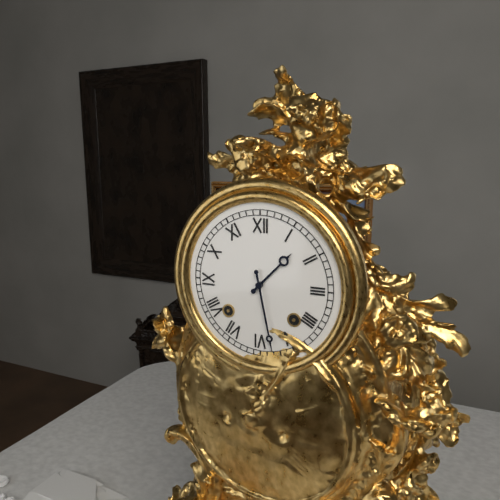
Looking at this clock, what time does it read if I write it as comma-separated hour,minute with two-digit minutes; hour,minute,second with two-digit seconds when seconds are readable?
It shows 1,28
